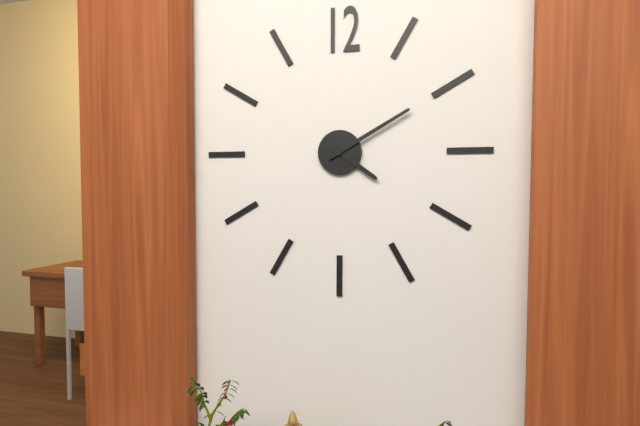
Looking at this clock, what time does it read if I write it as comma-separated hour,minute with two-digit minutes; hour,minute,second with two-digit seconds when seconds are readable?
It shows 4,10
